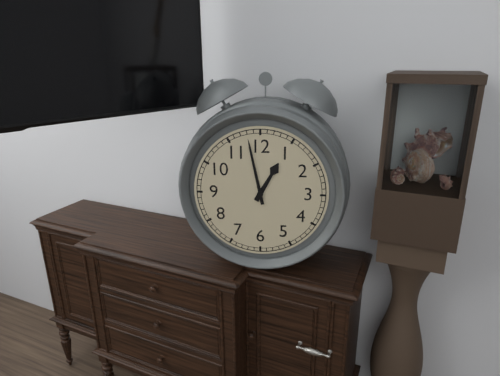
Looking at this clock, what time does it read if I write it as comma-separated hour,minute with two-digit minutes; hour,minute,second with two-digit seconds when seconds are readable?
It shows 12,58
